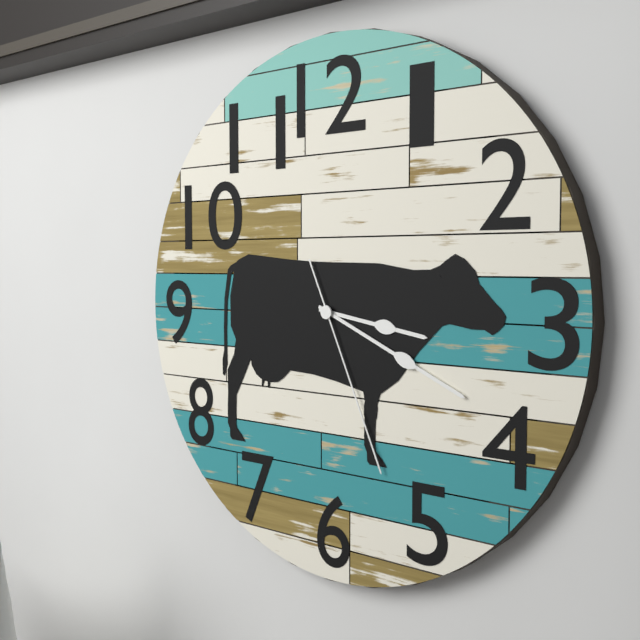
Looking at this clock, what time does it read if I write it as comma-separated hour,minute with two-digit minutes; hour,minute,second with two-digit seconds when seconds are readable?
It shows 3,19,26
